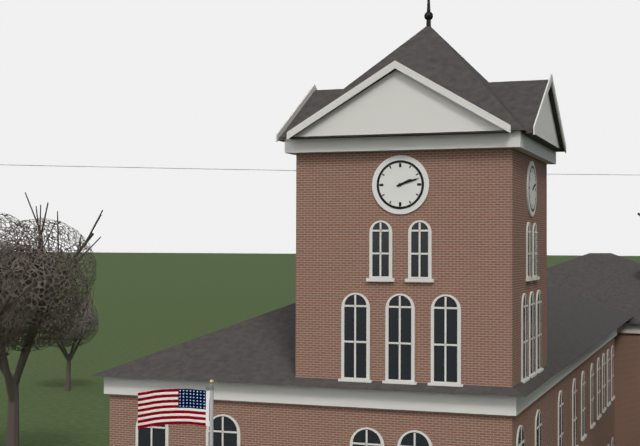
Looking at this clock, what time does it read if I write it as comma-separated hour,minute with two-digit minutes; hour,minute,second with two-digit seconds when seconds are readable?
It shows 2,12
